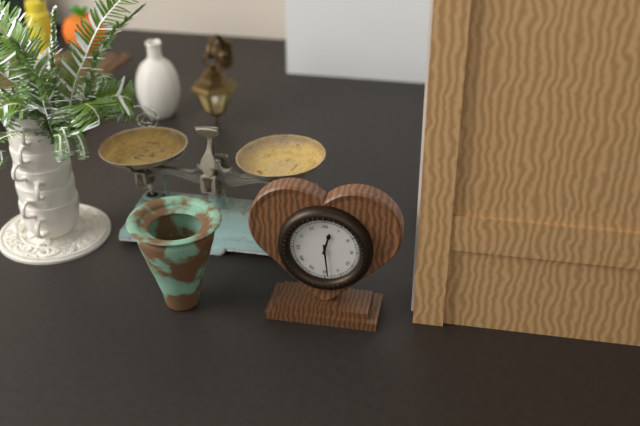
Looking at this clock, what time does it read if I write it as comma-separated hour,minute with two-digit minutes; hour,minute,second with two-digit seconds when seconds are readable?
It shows 12,29
